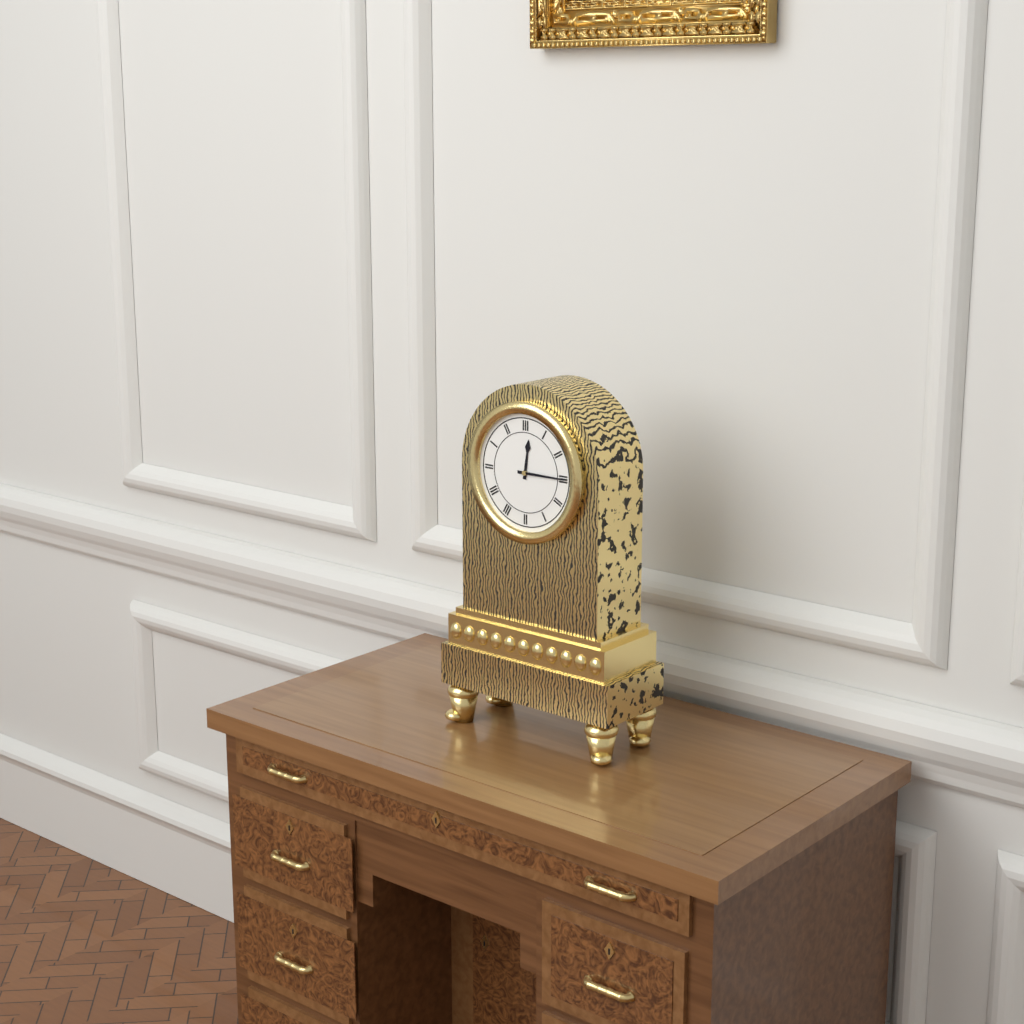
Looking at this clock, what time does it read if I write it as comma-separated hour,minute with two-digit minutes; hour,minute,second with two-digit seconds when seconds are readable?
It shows 12,15
